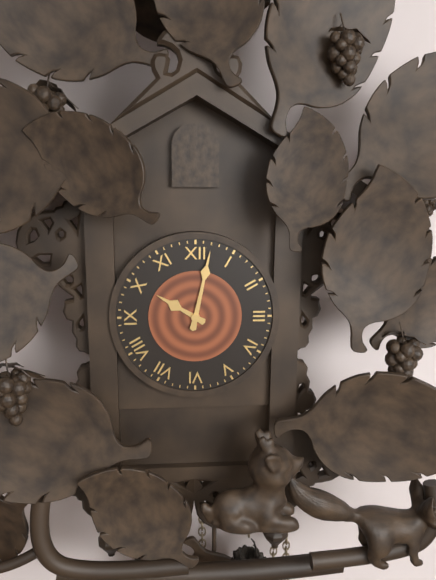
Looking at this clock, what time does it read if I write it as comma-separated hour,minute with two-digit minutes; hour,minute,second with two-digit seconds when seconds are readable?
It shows 10,02
